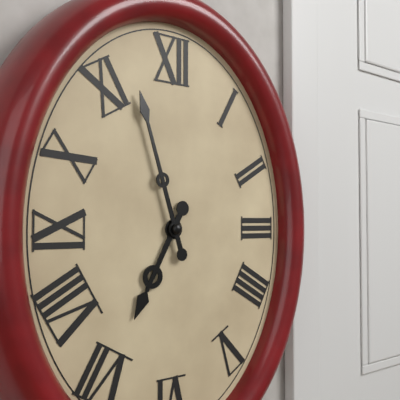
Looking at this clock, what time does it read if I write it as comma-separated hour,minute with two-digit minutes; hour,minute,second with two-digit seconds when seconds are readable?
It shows 6,57
